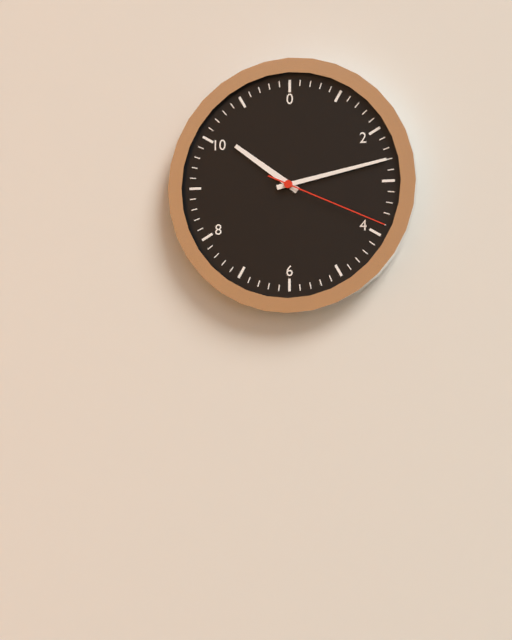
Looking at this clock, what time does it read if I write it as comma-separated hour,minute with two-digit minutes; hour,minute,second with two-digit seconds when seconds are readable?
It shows 10,13,19
